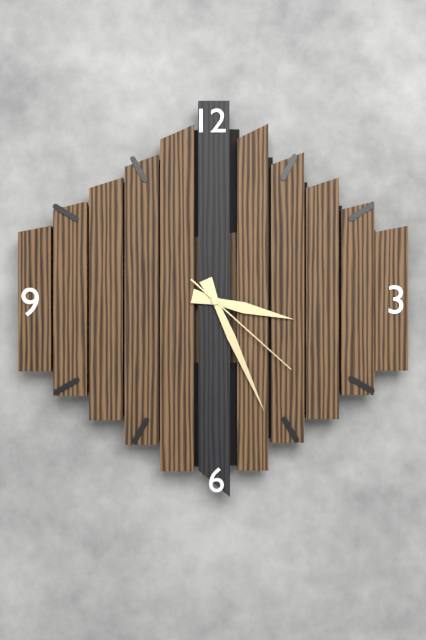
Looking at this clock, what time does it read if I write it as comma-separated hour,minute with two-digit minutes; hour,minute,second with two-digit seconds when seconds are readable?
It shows 3,26,22
